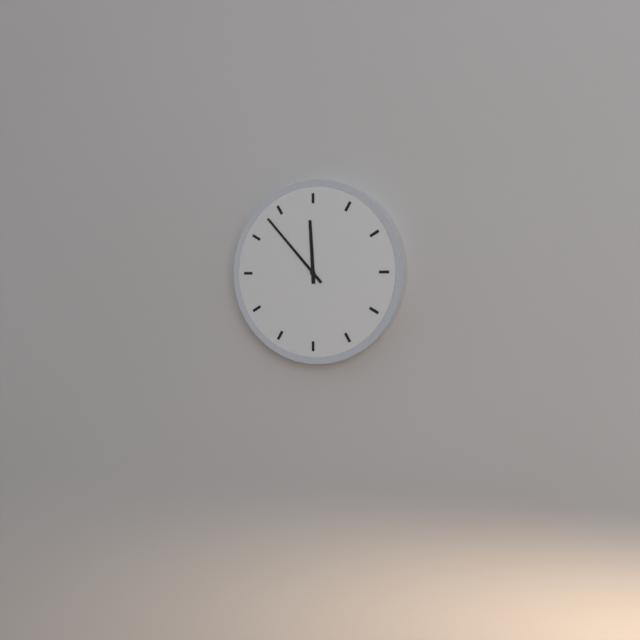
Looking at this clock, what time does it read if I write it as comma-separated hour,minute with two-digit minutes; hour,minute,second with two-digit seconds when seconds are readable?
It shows 11,53
